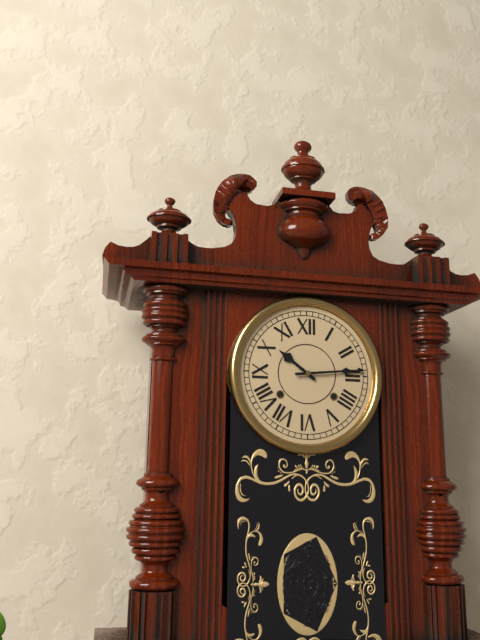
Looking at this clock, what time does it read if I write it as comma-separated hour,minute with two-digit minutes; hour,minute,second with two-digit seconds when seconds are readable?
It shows 10,14
